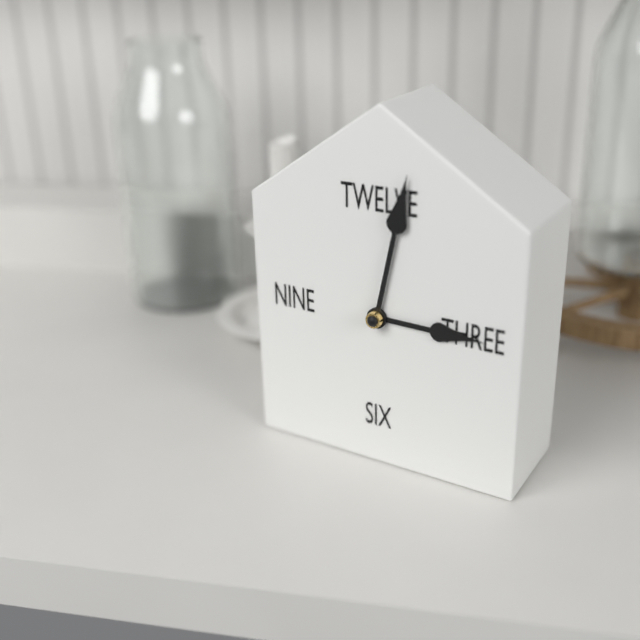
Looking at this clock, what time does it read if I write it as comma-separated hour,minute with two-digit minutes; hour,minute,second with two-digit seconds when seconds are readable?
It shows 3,02
